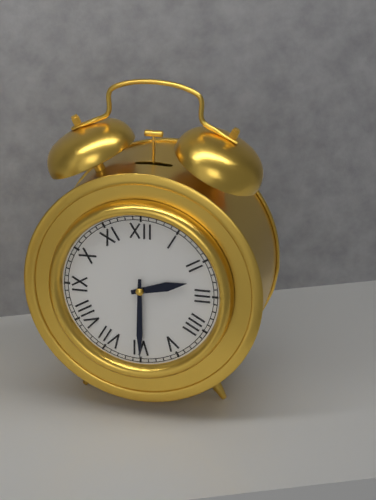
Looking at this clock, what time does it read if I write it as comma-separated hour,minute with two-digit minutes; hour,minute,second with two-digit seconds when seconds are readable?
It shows 2,30
